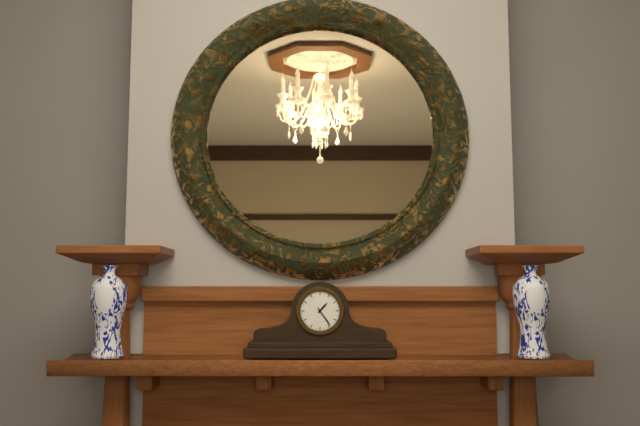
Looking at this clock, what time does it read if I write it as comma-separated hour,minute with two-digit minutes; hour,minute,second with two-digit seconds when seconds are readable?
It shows 1,24
